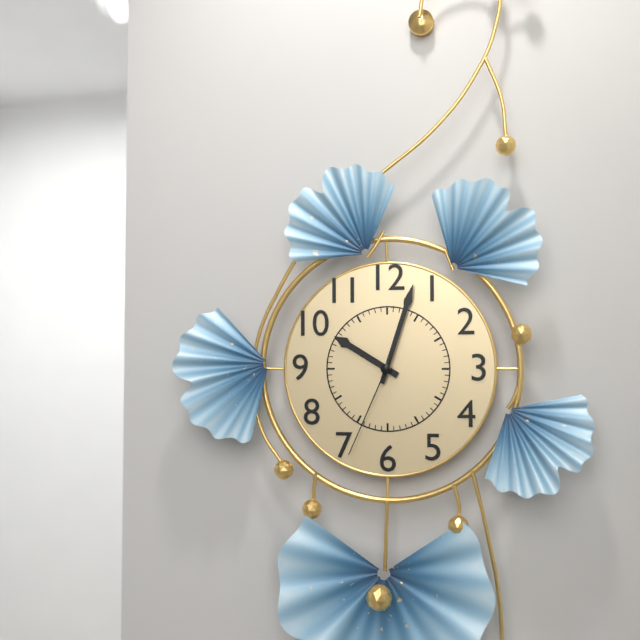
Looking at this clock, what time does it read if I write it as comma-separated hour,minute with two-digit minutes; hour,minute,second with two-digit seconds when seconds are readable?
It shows 10,03,34
